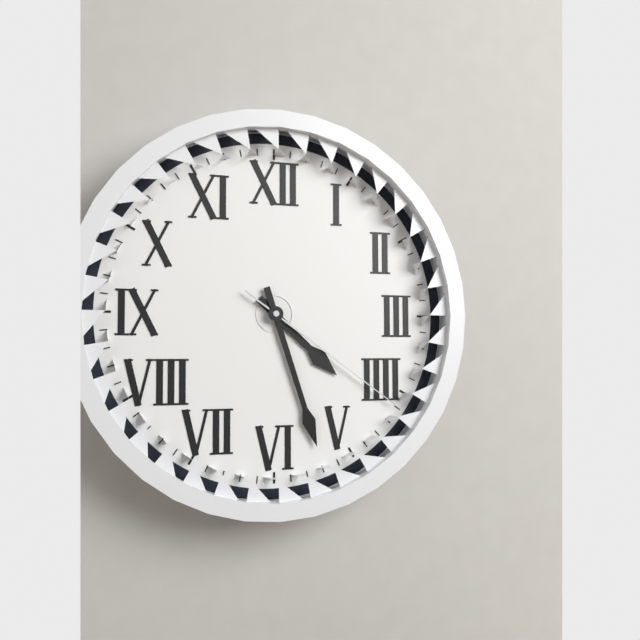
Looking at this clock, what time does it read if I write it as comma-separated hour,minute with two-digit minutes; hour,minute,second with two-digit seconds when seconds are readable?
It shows 4,27,21
